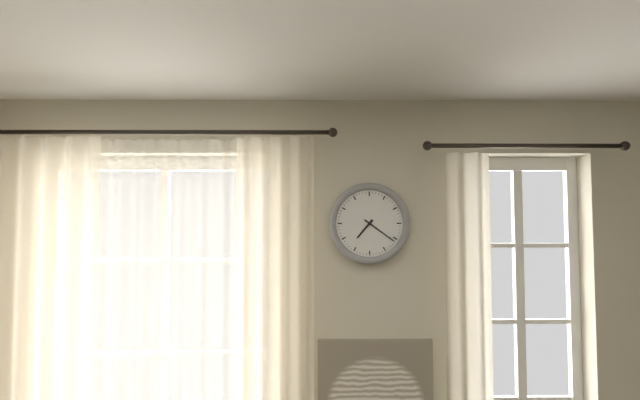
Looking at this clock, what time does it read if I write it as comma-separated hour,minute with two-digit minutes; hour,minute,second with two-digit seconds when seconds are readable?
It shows 7,21
